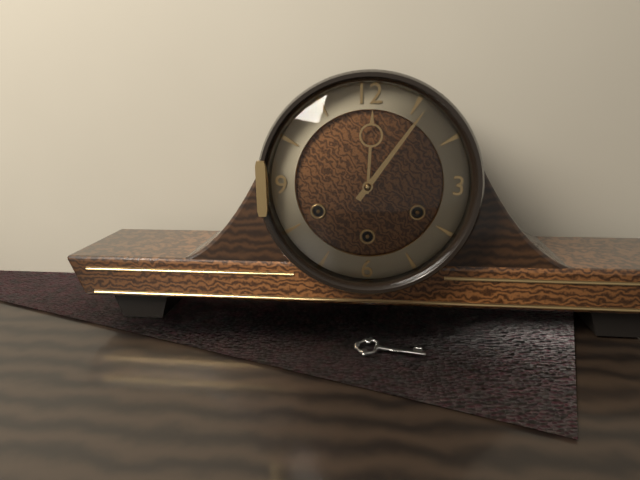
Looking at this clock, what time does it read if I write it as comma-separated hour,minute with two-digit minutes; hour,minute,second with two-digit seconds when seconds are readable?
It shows 12,06
